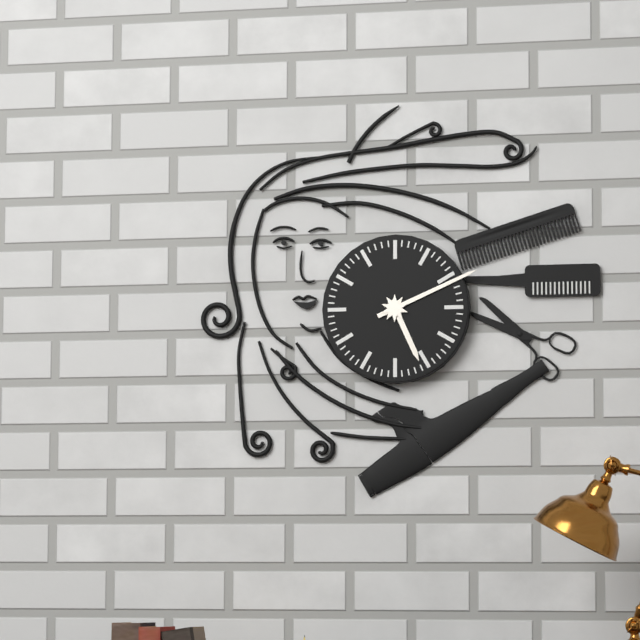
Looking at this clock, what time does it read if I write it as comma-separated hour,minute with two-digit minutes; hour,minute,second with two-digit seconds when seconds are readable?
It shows 5,11
